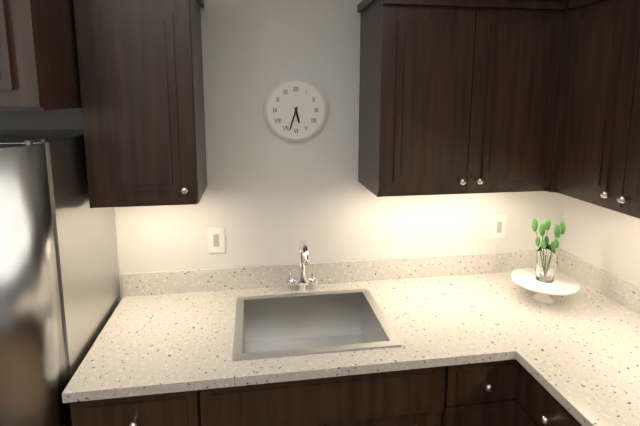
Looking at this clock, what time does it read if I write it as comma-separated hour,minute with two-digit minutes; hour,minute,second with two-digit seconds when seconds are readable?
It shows 5,33
